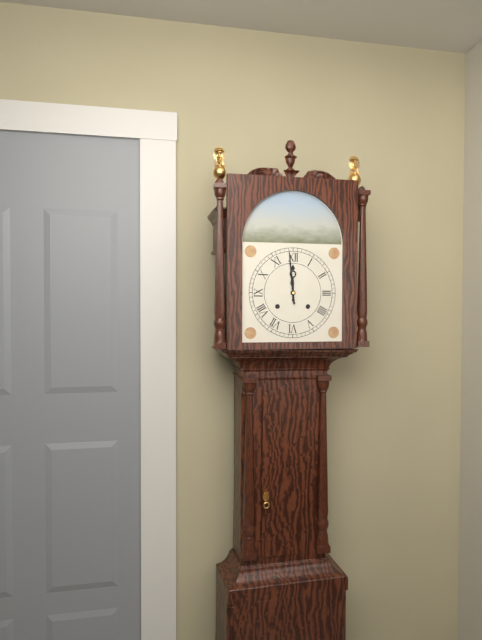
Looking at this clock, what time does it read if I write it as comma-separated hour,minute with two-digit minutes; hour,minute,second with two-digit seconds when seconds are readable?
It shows 11,59
